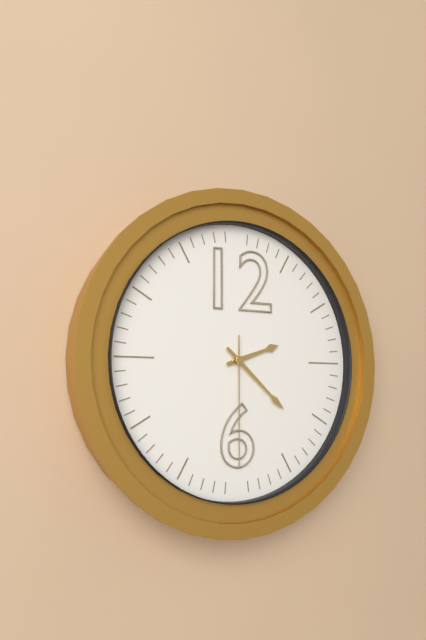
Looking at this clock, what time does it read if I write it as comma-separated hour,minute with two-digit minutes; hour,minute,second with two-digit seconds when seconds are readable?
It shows 2,22,30
